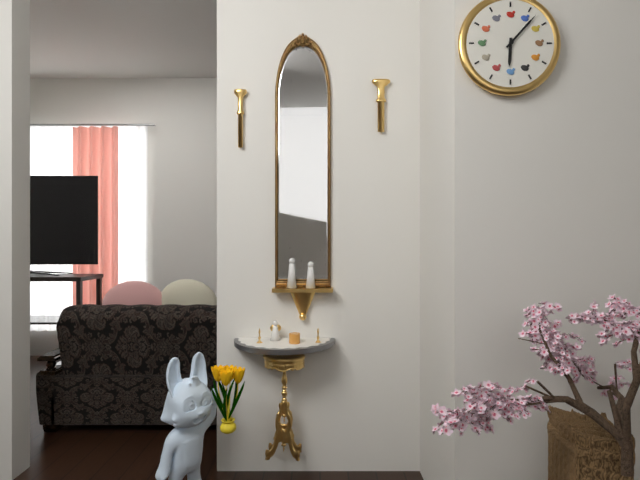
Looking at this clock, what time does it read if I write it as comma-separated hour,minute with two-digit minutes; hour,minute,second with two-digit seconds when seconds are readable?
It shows 6,07
